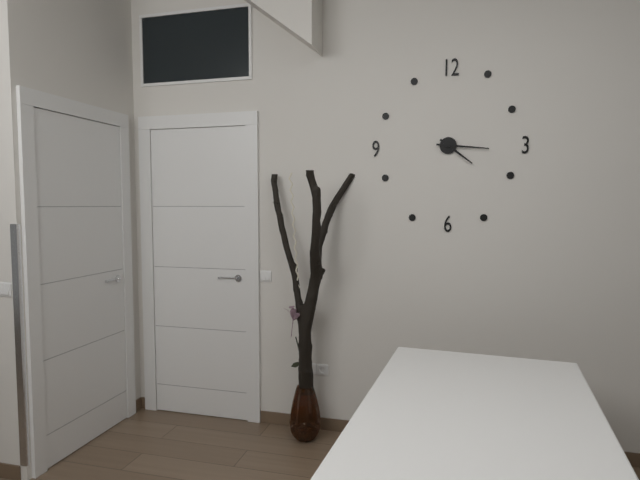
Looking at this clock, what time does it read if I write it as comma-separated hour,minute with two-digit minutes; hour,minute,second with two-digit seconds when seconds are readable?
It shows 4,16
